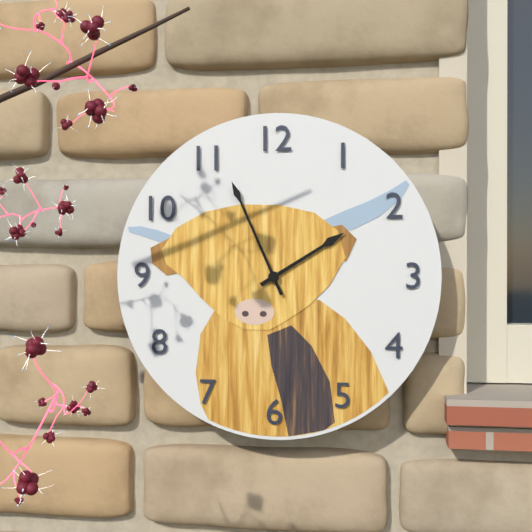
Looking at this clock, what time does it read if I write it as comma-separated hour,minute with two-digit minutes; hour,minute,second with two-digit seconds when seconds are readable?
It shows 1,56
